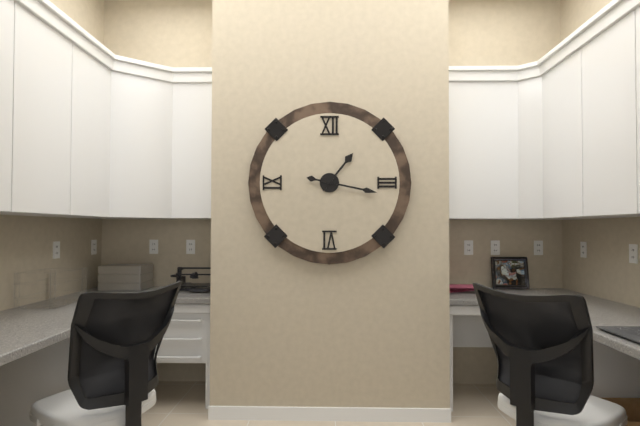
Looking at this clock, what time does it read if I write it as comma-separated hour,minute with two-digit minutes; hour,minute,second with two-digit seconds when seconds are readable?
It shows 1,17
